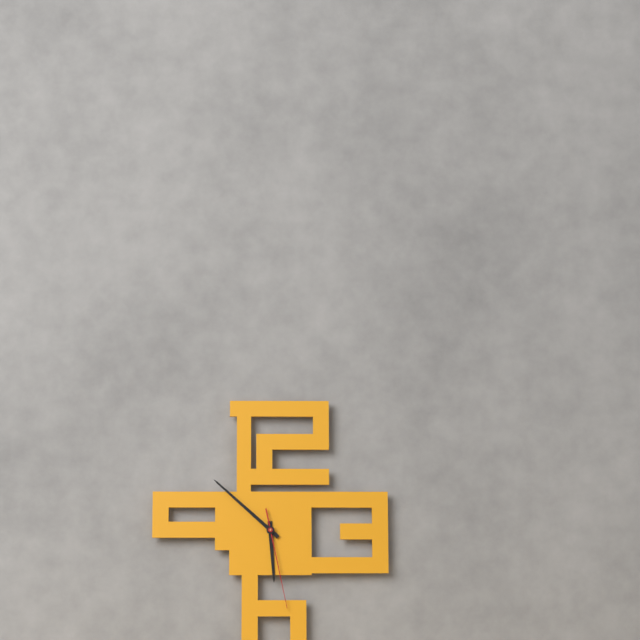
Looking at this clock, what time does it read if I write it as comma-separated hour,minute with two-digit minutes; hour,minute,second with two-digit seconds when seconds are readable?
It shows 5,52,28
